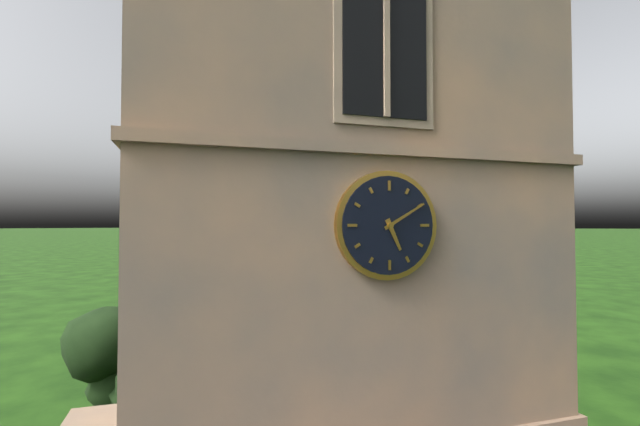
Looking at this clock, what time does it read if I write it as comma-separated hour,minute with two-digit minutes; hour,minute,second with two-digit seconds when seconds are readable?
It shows 5,10
